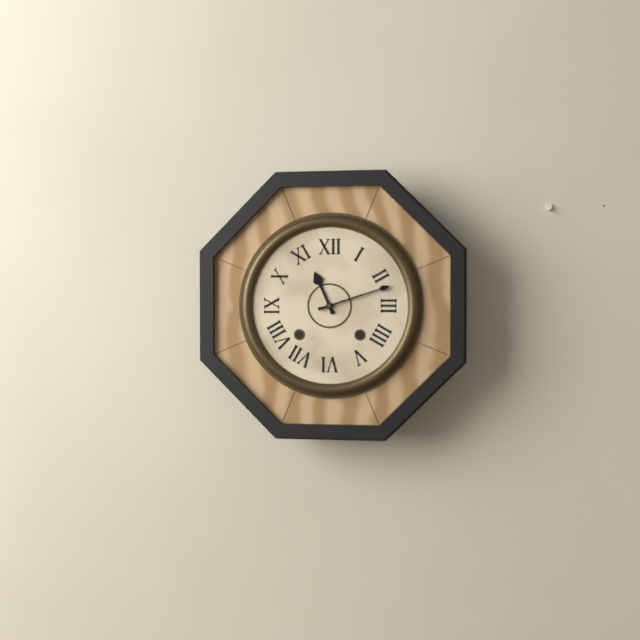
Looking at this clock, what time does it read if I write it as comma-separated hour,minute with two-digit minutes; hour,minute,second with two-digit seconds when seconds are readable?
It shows 11,12
